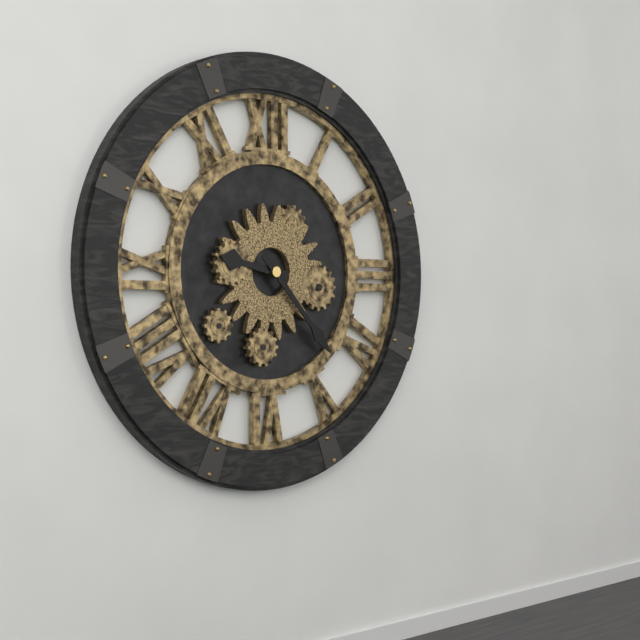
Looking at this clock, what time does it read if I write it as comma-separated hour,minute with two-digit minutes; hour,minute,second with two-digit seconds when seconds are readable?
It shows 9,23
